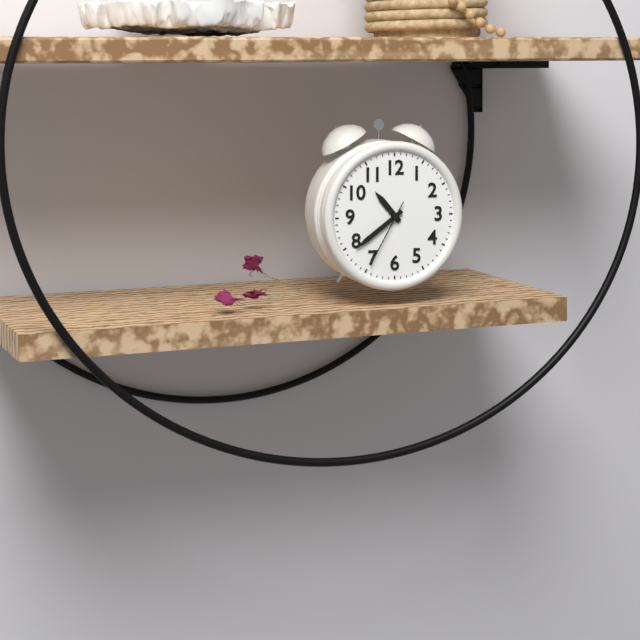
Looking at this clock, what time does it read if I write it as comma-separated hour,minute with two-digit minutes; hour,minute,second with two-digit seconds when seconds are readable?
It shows 10,39,35
